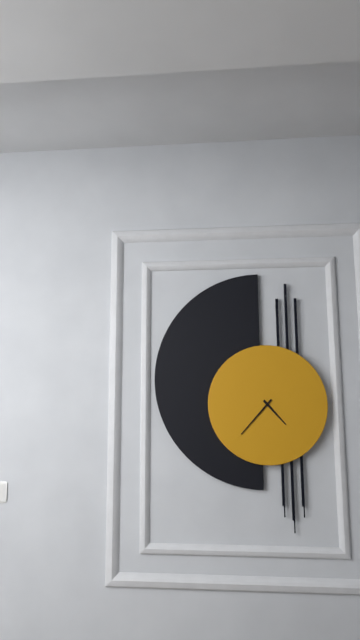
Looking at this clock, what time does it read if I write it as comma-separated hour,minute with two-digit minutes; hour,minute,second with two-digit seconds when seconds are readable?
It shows 4,37
